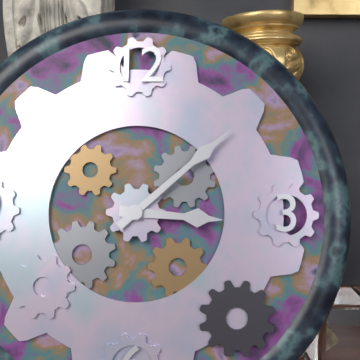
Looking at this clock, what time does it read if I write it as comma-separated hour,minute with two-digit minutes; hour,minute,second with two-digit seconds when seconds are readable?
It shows 3,08
